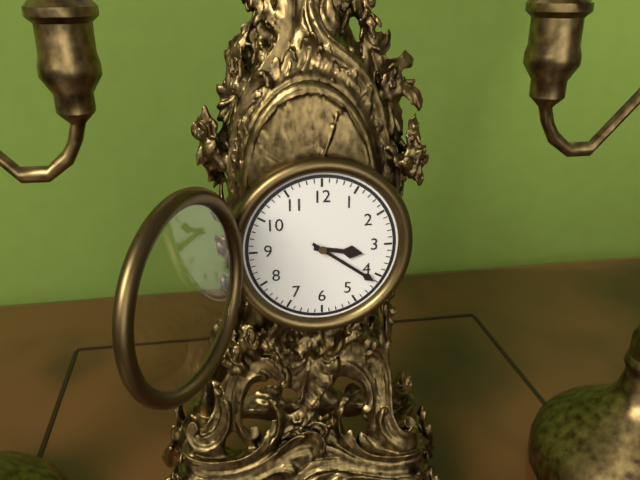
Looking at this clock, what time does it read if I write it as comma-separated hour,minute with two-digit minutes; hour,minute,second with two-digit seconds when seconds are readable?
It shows 3,21
